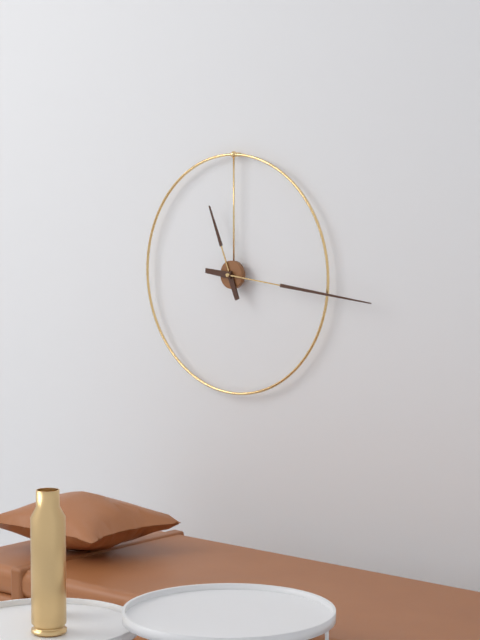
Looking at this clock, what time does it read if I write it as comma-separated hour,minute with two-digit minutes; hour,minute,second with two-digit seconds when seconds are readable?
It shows 11,16
